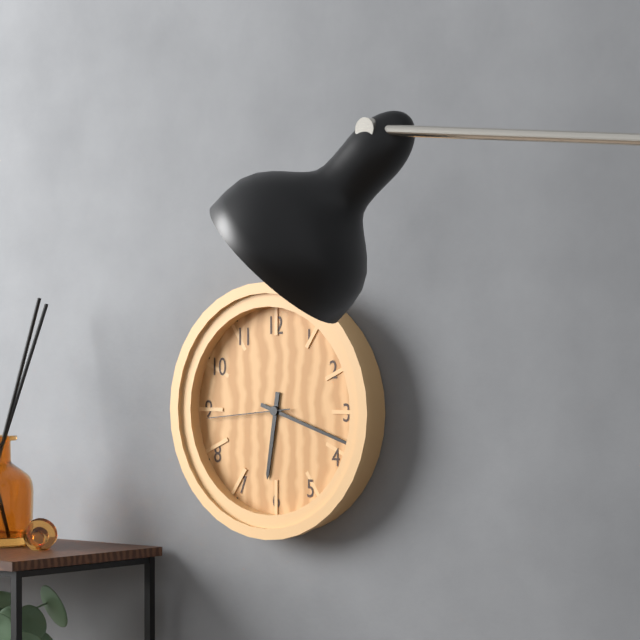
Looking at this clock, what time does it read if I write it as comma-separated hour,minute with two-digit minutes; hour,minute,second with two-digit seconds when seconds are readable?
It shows 6,18,44
